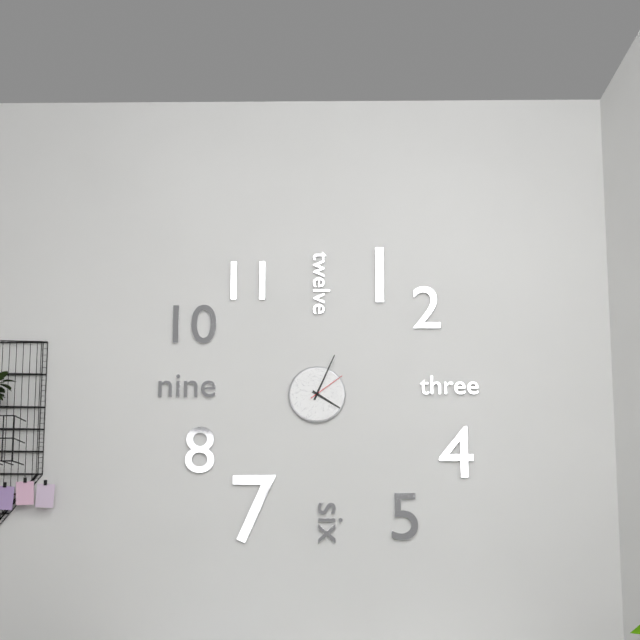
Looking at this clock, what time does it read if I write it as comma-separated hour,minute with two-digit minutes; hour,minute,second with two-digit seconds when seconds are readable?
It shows 4,04
